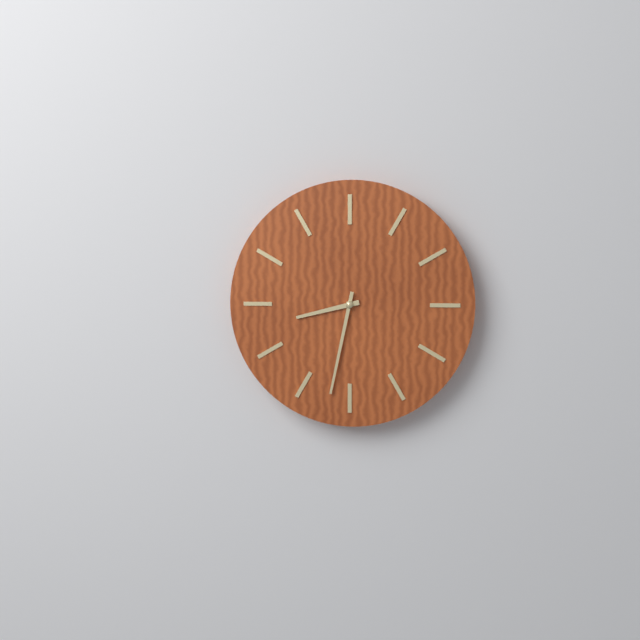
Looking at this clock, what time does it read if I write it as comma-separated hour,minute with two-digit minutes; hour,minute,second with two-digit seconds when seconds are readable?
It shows 8,32
